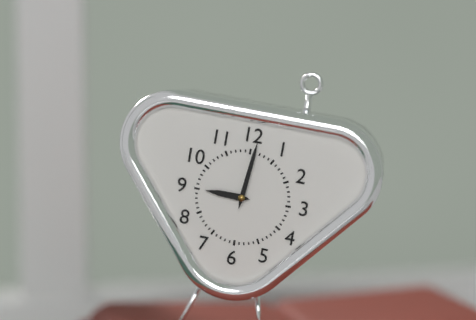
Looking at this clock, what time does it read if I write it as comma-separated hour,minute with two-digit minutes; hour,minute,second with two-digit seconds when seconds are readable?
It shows 9,01
